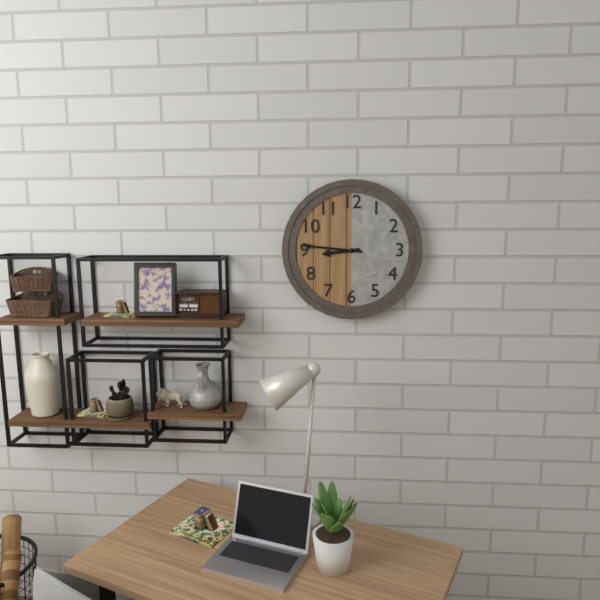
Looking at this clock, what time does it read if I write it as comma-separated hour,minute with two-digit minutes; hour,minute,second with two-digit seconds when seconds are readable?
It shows 8,46
